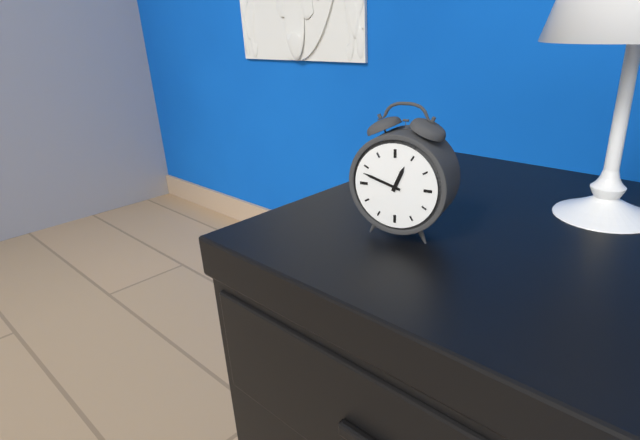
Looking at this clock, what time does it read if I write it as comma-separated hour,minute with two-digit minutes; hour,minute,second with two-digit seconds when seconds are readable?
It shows 12,48
